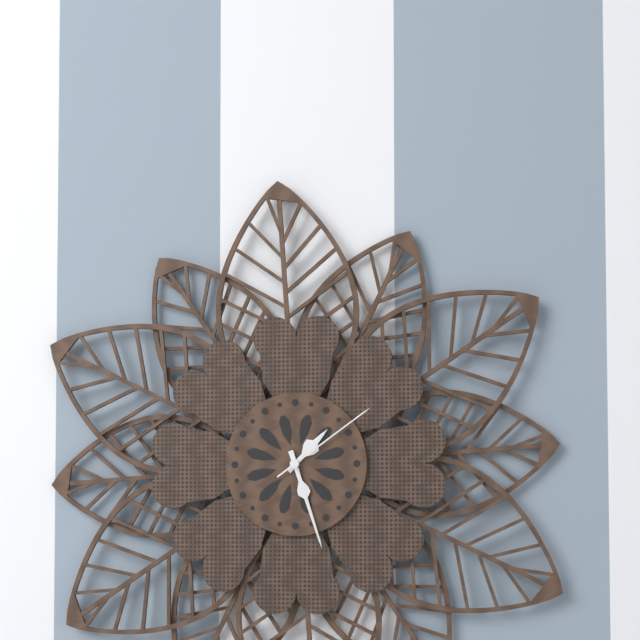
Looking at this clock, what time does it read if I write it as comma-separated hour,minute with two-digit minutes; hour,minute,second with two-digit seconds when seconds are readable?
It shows 1,27,09
